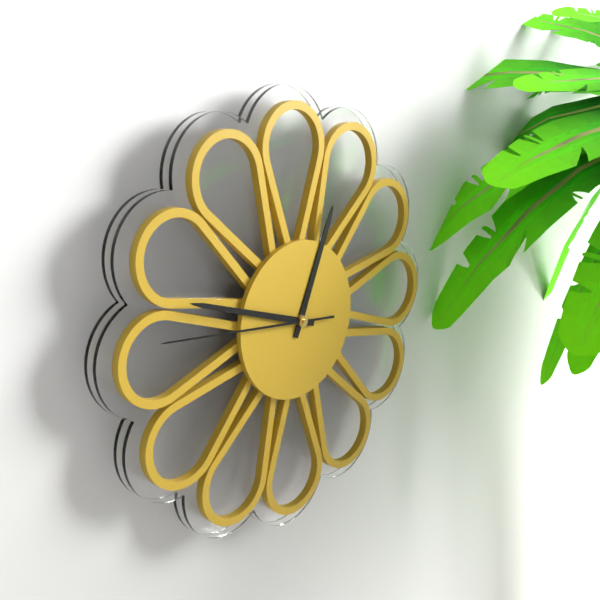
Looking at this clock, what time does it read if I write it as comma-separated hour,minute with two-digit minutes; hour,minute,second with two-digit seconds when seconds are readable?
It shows 12,48,46
